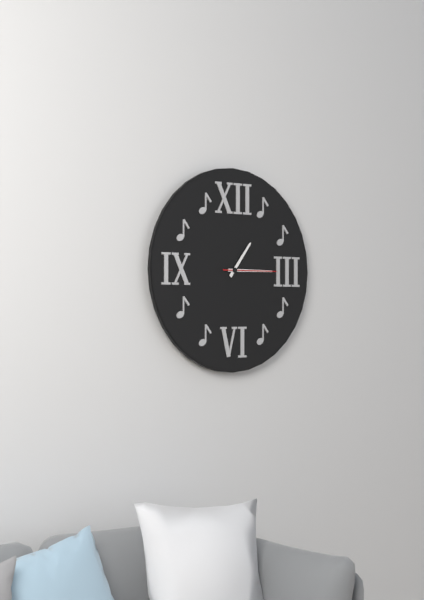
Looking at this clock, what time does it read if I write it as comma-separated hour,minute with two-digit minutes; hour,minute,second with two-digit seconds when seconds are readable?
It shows 1,15,15
